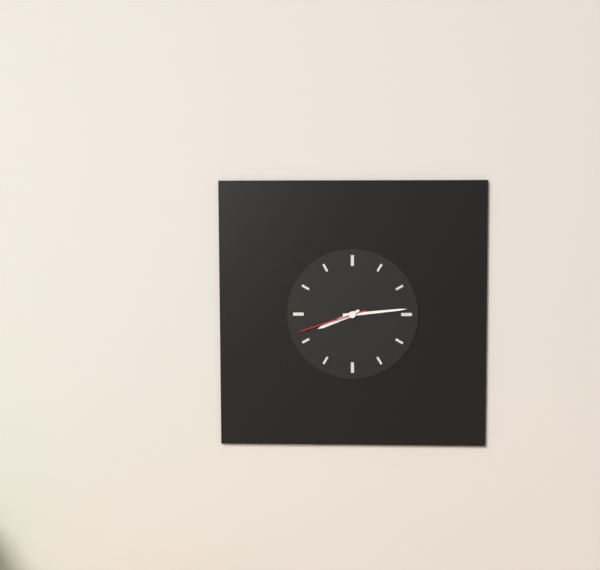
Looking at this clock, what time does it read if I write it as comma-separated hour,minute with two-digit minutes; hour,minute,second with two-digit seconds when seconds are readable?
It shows 8,14,42
